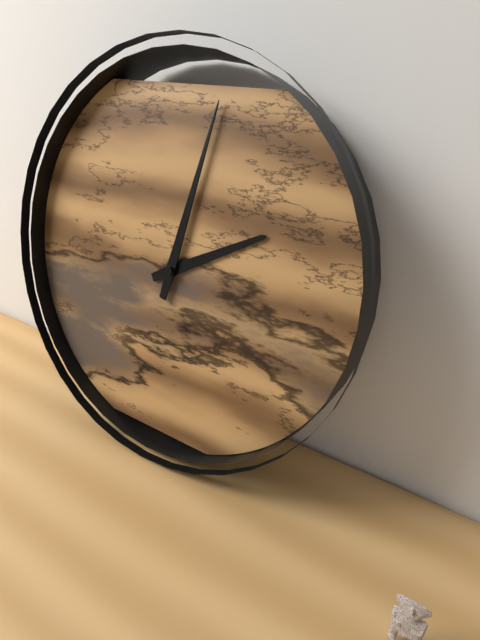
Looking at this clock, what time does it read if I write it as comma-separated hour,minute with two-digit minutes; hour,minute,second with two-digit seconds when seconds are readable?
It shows 2,02
